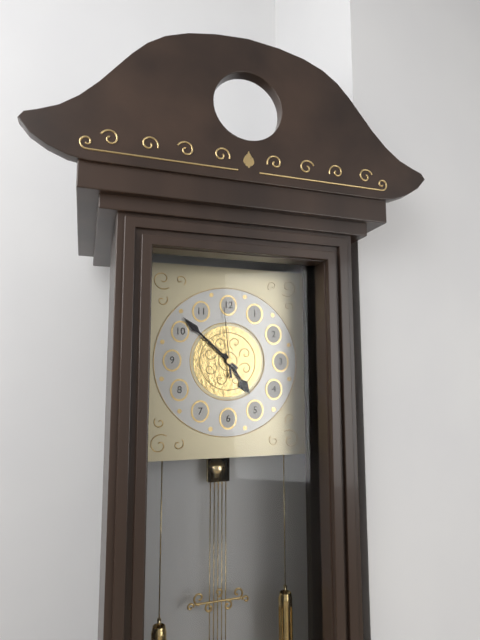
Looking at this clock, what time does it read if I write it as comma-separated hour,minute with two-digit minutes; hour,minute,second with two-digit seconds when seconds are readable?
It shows 4,52,59
